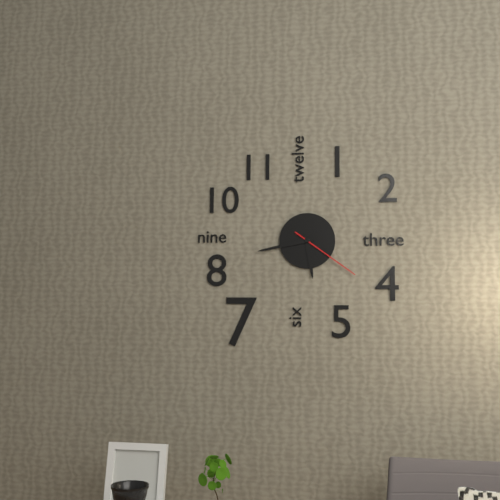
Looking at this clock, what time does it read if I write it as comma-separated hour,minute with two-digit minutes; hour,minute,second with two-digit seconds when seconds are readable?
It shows 5,43,21
